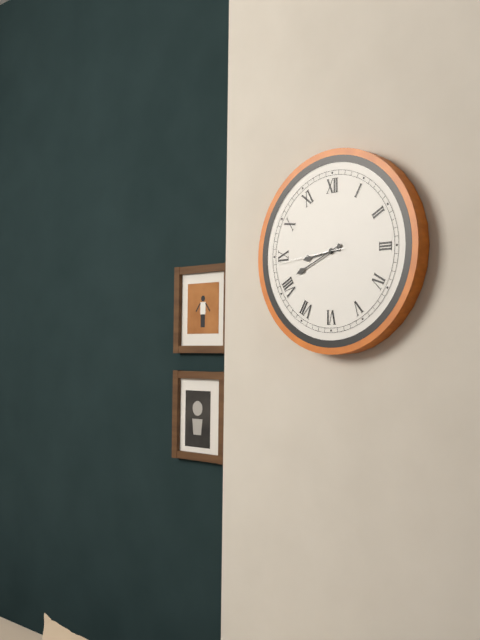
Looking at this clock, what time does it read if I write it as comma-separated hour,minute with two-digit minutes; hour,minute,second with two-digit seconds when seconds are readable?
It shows 8,41,44
